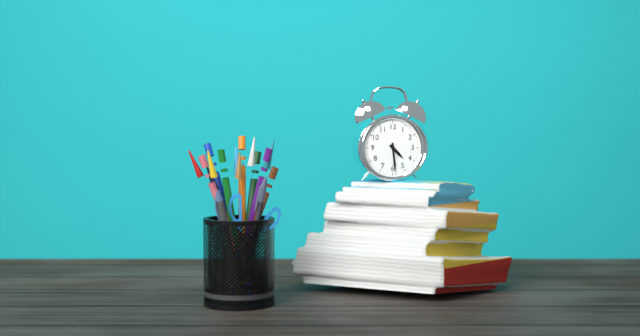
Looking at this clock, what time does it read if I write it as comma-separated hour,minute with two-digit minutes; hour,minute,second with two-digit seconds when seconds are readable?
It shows 4,29
